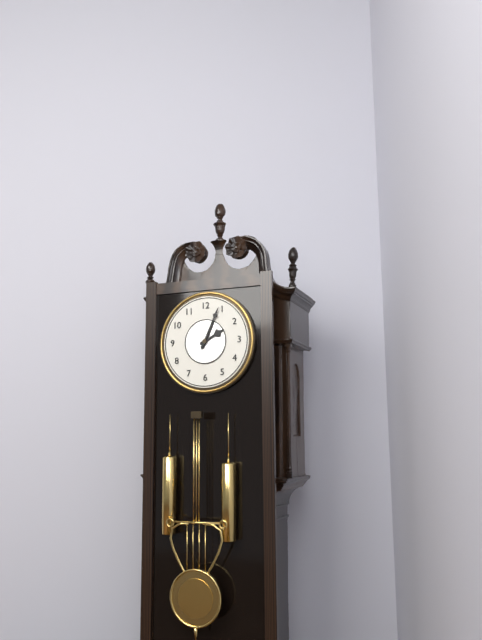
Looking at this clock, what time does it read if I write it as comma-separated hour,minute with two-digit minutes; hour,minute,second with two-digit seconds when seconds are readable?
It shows 2,04
